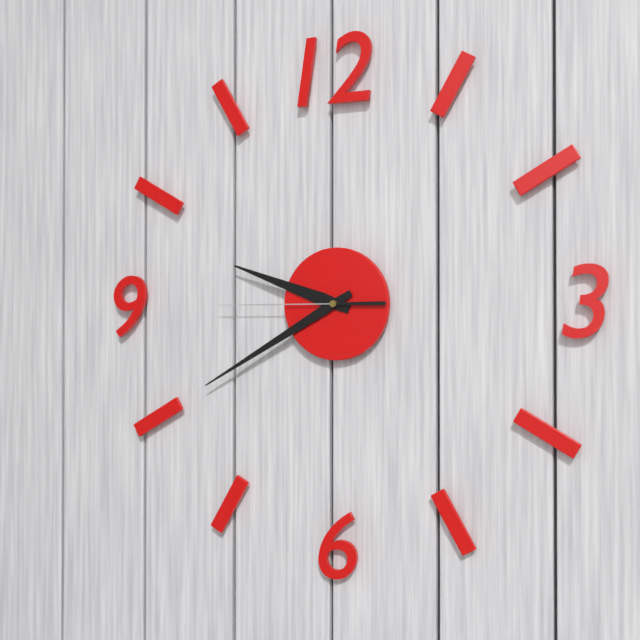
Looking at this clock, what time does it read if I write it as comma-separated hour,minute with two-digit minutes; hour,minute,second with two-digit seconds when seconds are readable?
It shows 9,40,45
